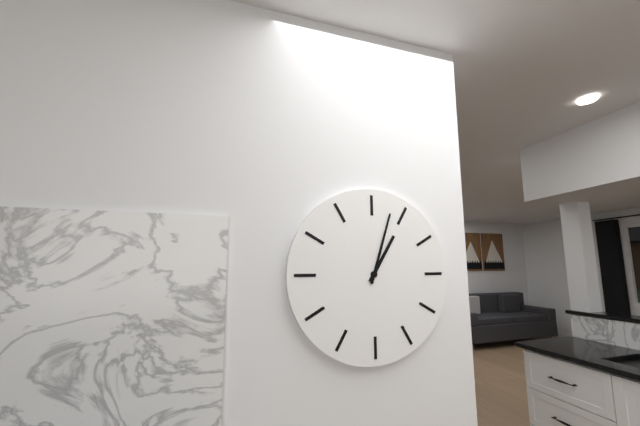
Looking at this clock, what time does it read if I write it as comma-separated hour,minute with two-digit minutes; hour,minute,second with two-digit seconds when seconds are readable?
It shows 1,03
